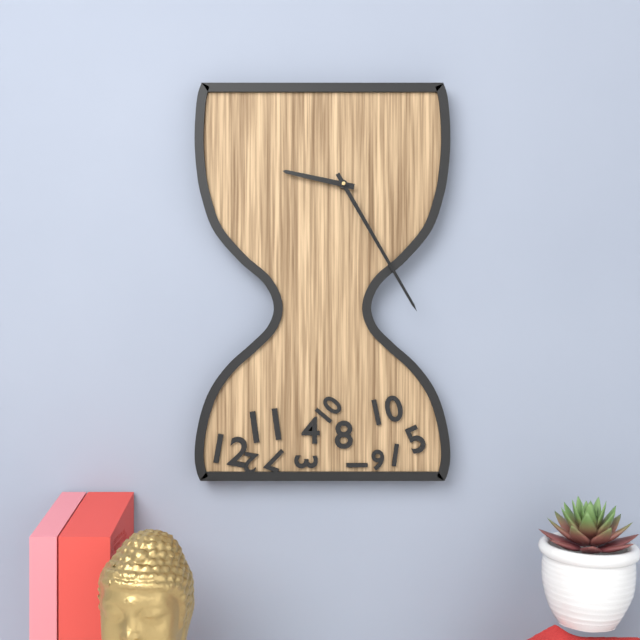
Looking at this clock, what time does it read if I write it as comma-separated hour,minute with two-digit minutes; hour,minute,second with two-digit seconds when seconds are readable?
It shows 9,25
